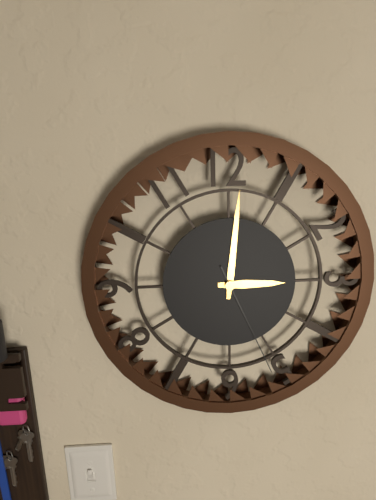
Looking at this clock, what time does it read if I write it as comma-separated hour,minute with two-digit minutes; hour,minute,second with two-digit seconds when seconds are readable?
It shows 3,01,26
